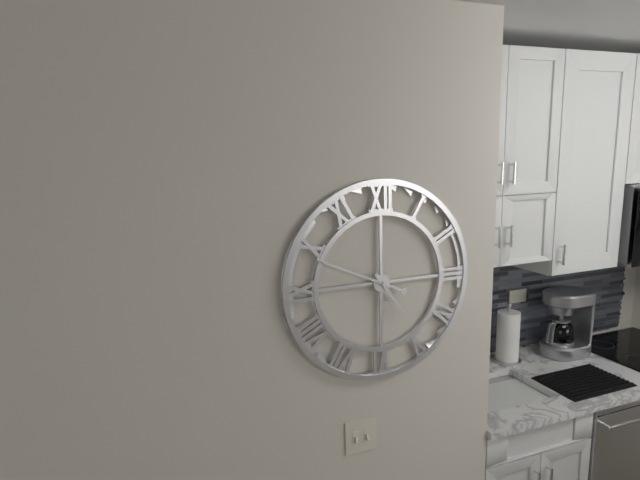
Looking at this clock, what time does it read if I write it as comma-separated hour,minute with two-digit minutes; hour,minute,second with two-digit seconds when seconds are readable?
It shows 4,49
